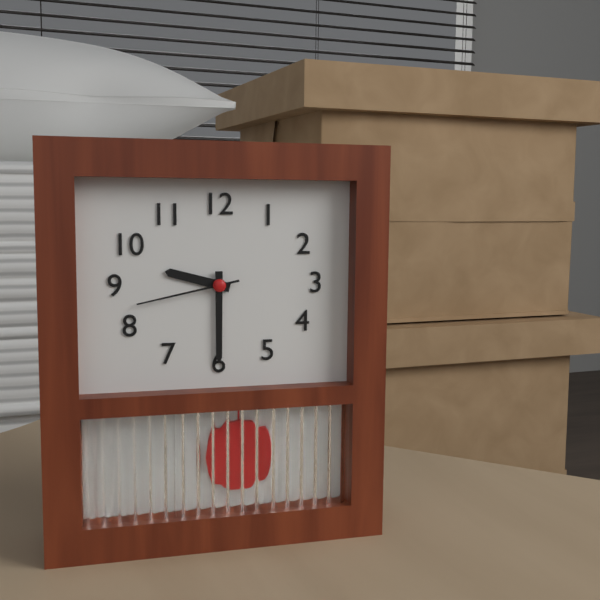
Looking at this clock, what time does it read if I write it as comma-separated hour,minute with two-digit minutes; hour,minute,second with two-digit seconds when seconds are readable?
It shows 9,30,43
